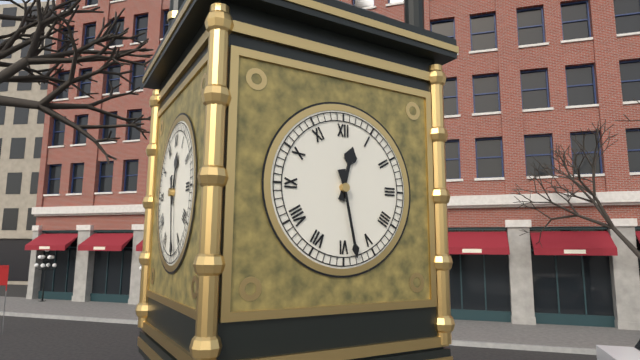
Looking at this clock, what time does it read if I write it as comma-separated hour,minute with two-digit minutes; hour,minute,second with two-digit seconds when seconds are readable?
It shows 12,28
